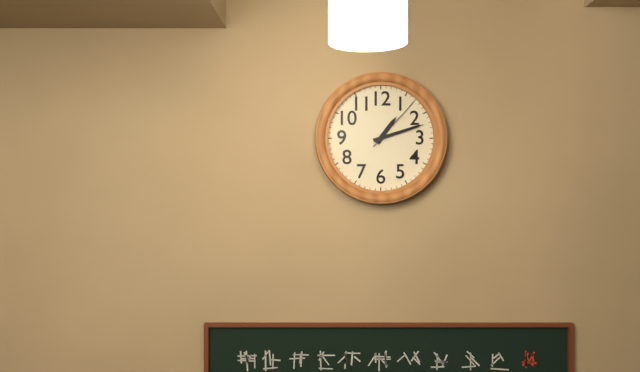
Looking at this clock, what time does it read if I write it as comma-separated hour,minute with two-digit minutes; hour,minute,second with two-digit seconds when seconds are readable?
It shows 1,12,07
